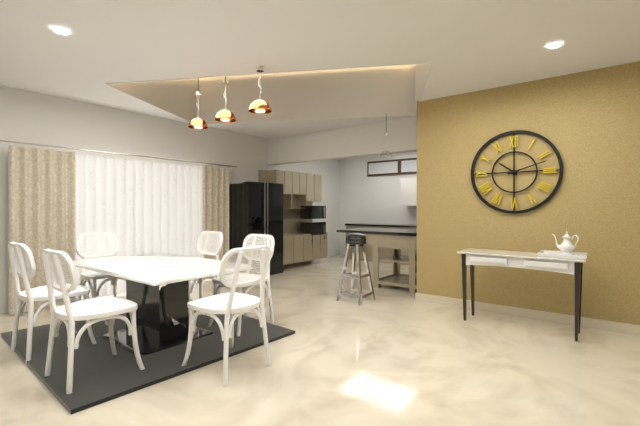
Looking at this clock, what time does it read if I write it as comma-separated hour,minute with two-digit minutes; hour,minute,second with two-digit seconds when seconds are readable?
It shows 10,12
